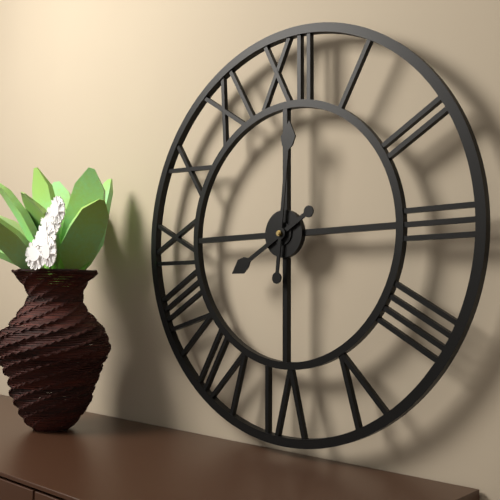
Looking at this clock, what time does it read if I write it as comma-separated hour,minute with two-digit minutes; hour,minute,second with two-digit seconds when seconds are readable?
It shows 8,01
